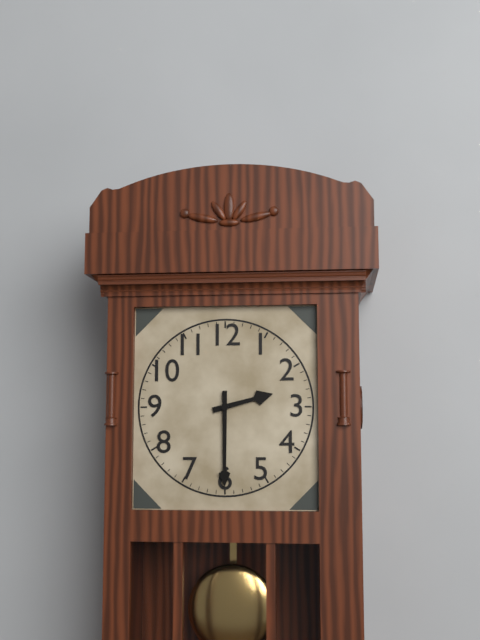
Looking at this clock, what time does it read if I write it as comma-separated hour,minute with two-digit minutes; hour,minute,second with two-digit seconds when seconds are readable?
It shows 2,30
